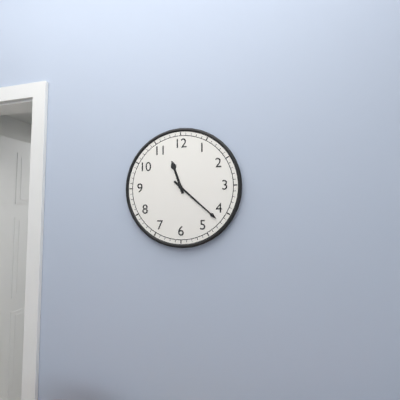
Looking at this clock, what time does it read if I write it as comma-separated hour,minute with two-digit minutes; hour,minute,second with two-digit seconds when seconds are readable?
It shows 11,22
